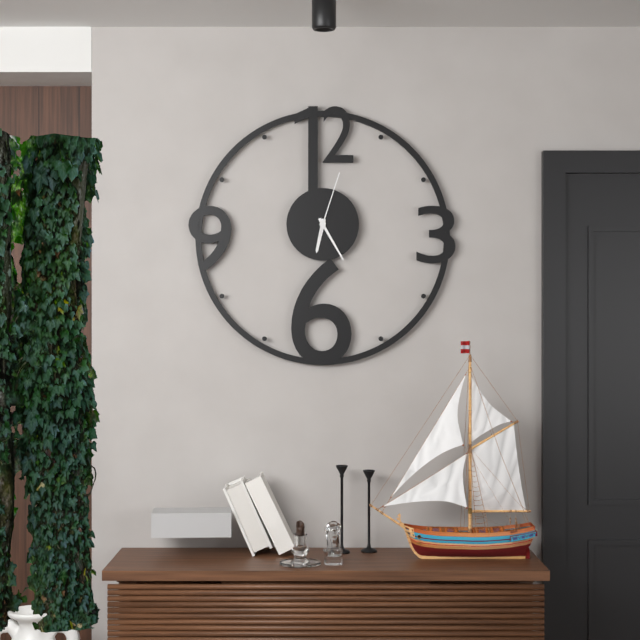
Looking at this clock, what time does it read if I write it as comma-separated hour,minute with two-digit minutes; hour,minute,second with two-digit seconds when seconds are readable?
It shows 6,25,03
